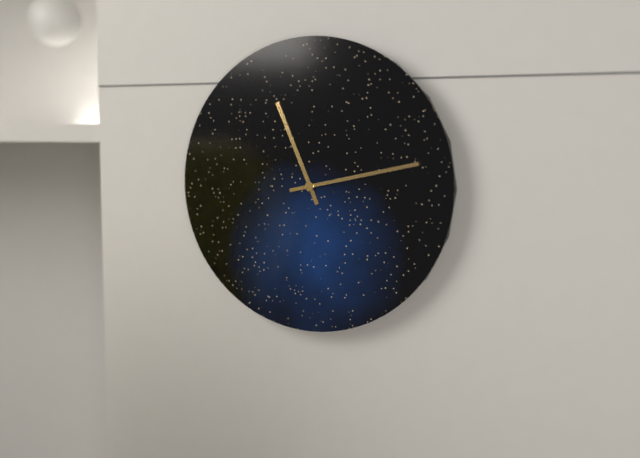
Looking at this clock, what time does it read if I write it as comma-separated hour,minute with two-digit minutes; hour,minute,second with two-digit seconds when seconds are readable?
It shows 11,13
